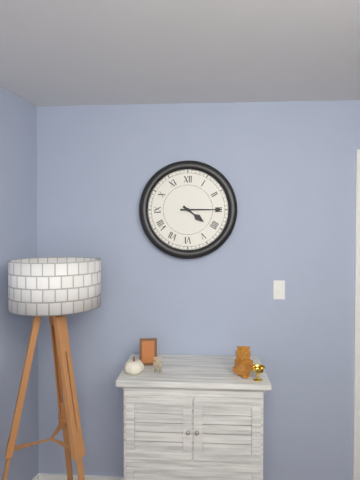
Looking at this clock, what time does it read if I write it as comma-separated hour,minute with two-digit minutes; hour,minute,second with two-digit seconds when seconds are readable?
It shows 4,15
